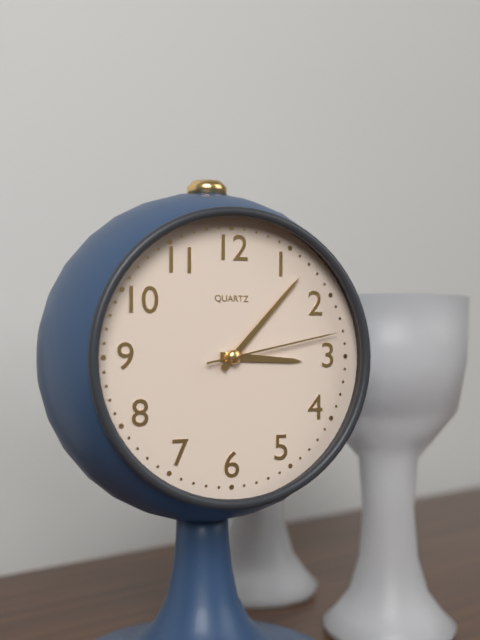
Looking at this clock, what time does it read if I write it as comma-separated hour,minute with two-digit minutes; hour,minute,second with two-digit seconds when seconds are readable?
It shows 3,07,13
